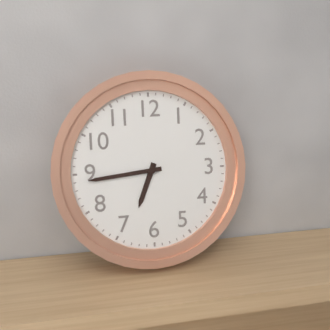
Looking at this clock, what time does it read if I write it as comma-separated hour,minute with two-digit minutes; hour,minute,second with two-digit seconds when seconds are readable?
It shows 6,44
